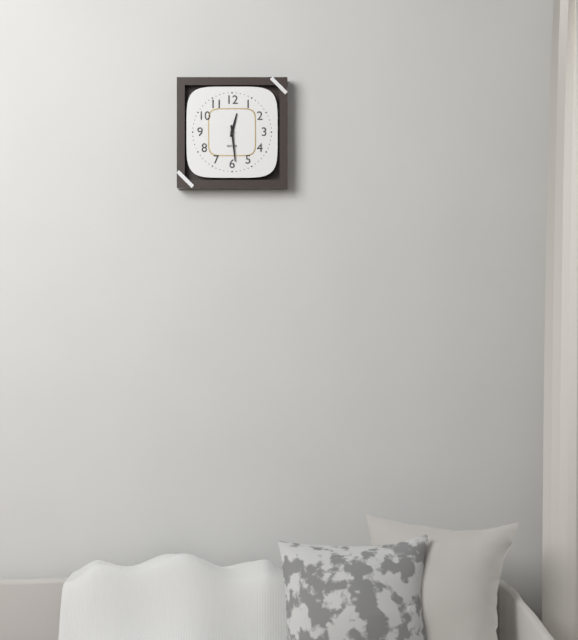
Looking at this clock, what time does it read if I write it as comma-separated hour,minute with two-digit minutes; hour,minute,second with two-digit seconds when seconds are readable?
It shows 12,29
